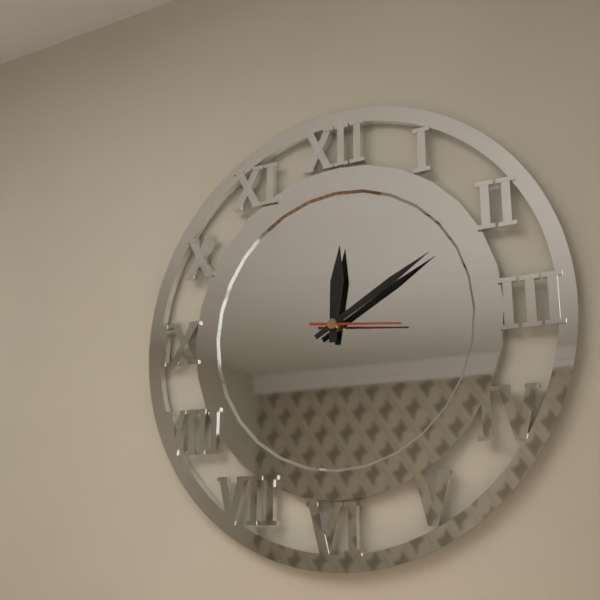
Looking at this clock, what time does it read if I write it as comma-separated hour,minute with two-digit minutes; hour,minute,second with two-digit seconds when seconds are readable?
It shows 12,10,16
